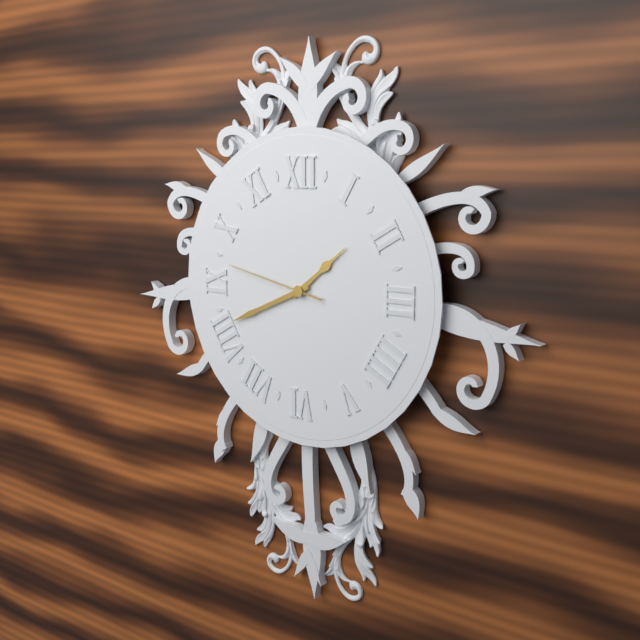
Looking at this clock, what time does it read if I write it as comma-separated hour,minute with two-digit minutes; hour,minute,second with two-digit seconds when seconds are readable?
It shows 1,41,47
